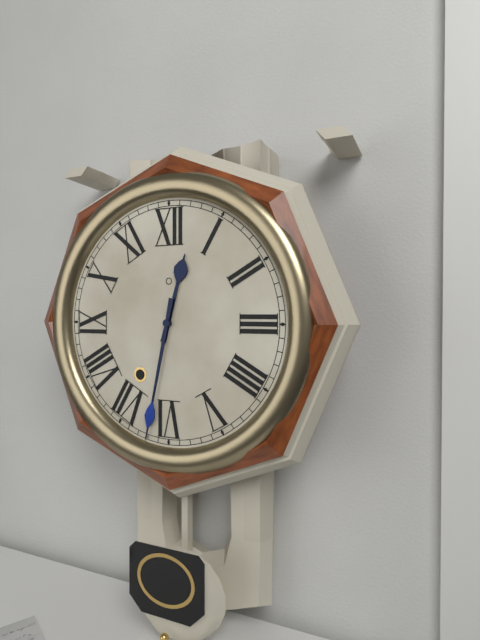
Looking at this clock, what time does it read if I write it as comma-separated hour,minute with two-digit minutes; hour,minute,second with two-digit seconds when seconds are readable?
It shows 12,32
